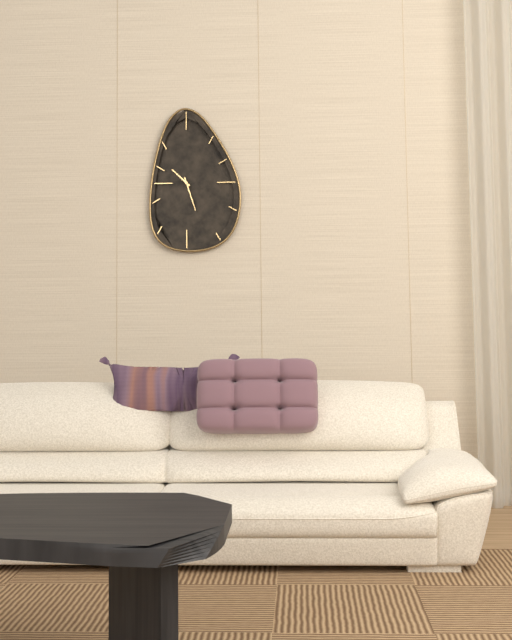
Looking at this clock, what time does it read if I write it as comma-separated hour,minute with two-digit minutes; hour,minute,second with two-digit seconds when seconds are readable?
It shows 10,27
